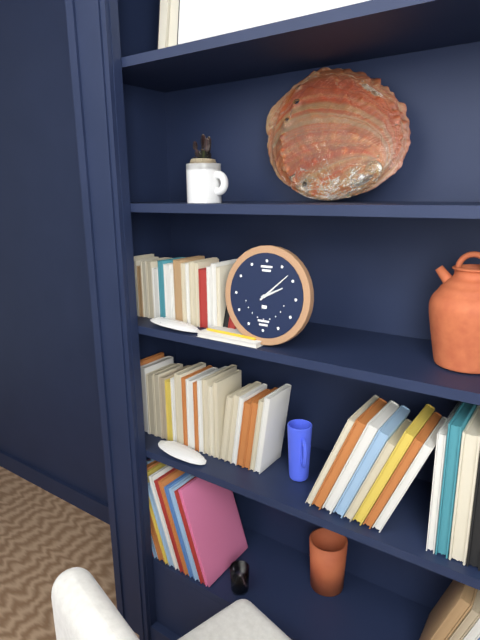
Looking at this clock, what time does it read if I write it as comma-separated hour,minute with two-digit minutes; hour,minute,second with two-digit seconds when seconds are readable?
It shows 2,08
